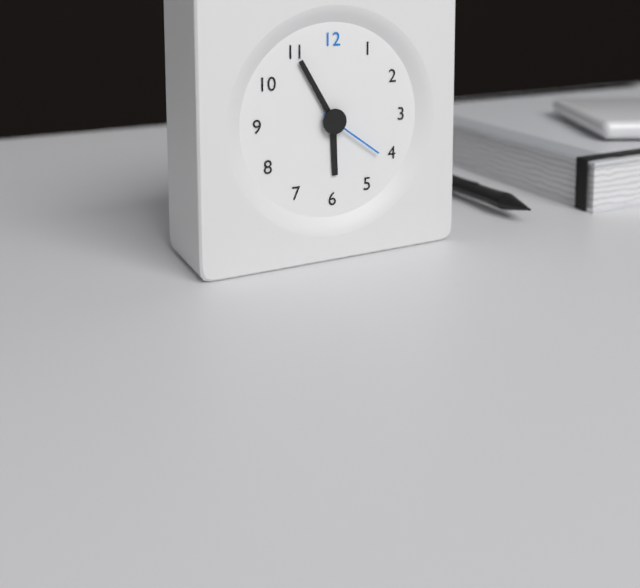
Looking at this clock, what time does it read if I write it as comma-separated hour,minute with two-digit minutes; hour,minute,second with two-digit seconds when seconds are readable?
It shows 5,55,21
